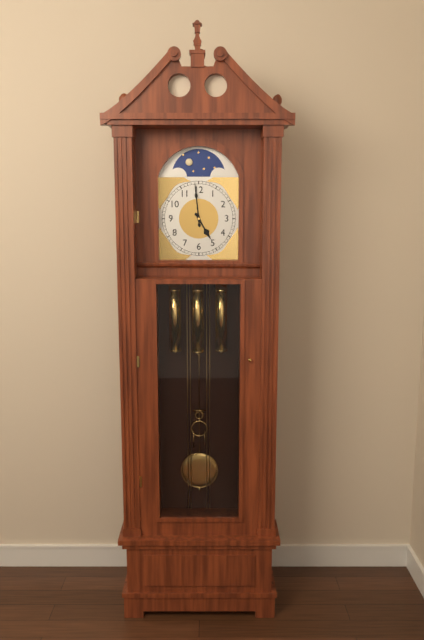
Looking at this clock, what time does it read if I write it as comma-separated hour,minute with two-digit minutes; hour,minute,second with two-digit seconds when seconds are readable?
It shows 4,59
